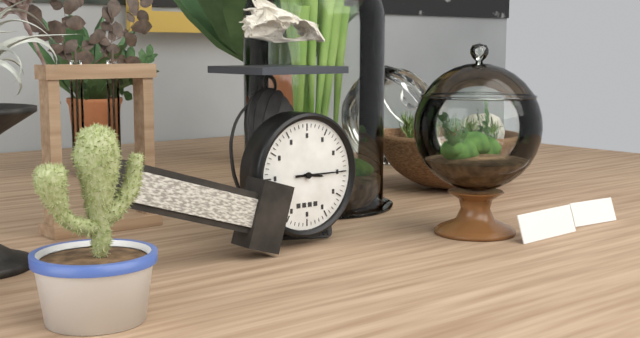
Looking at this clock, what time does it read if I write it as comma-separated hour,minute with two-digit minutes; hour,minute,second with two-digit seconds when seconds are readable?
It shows 3,15
